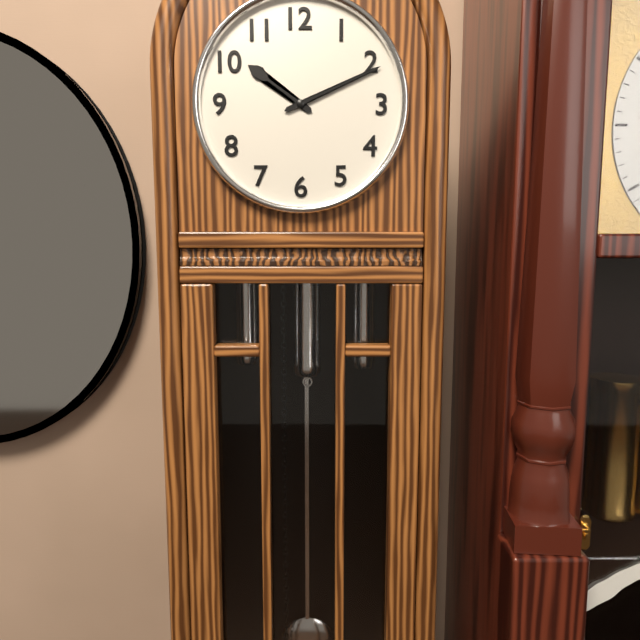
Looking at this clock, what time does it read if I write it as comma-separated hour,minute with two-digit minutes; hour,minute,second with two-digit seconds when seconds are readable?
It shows 10,11
